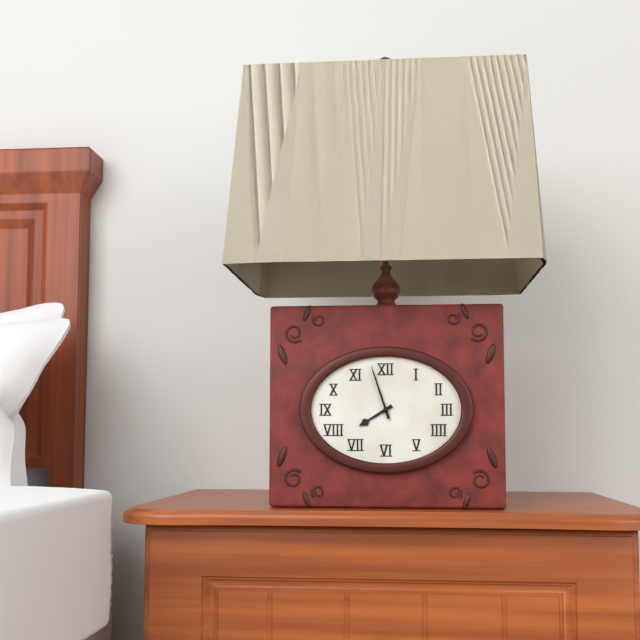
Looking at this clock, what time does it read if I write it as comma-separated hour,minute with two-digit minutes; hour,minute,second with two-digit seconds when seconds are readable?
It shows 7,57
